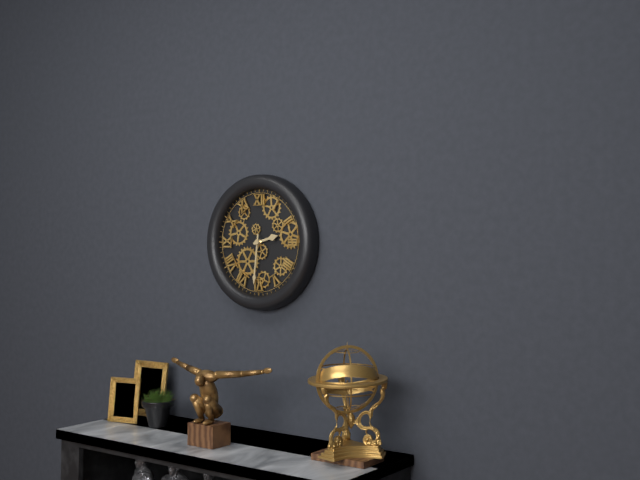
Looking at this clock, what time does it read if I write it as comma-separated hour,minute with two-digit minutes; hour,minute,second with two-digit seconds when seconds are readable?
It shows 2,31
